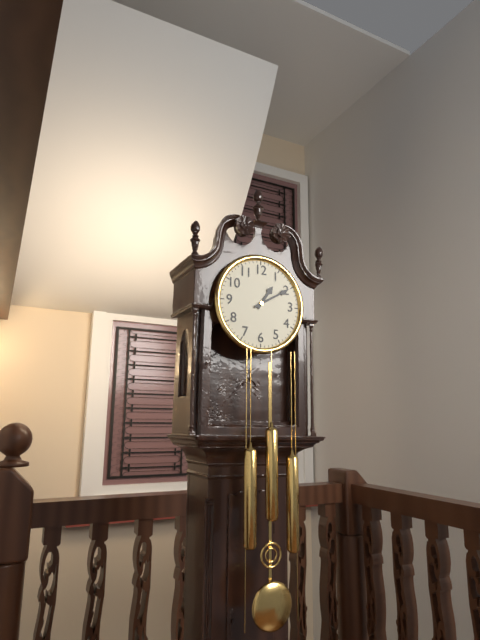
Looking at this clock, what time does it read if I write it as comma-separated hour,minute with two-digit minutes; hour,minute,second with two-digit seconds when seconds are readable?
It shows 1,10
